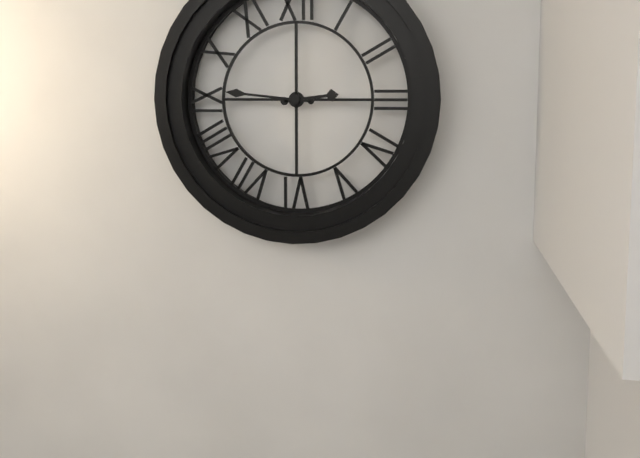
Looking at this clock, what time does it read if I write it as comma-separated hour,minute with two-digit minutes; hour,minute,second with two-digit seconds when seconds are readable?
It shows 2,46
